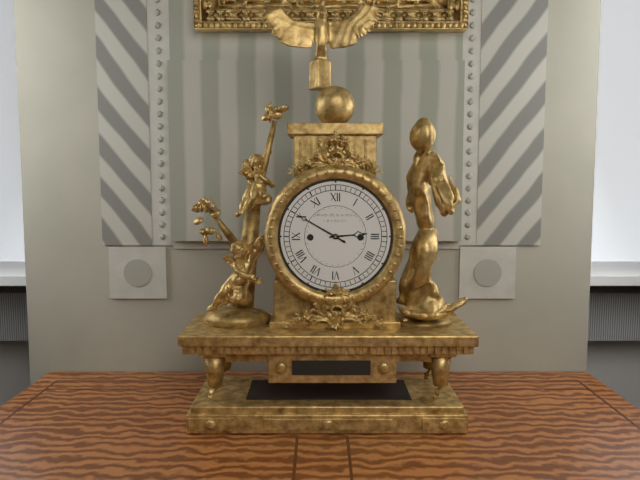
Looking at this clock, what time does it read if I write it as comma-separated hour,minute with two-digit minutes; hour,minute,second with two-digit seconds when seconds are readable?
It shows 2,50
